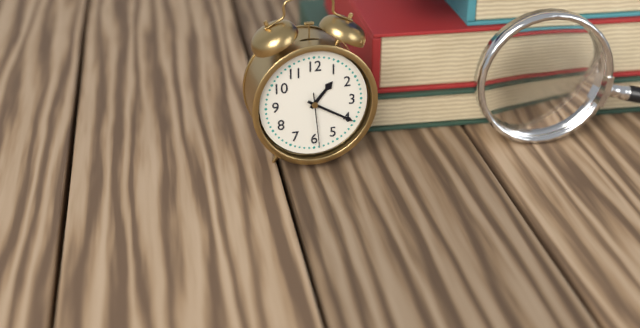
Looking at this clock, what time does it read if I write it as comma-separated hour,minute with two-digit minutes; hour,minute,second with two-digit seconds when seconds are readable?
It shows 1,20,29
